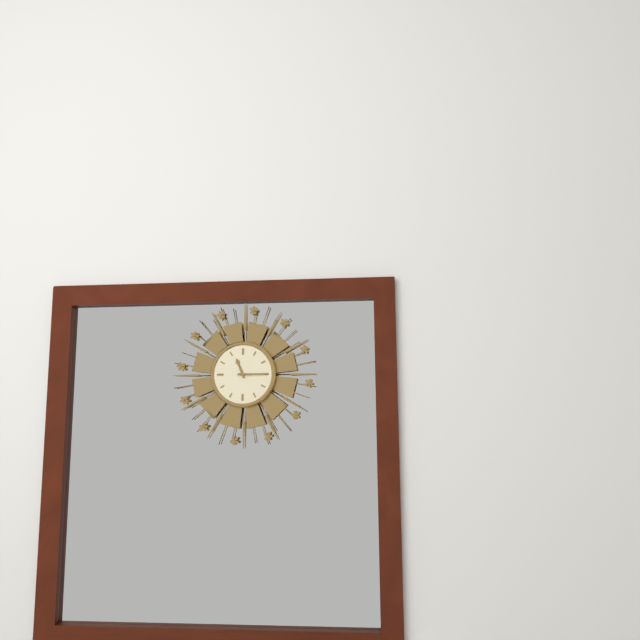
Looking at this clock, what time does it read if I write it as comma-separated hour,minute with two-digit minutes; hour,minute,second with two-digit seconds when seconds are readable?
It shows 11,15
